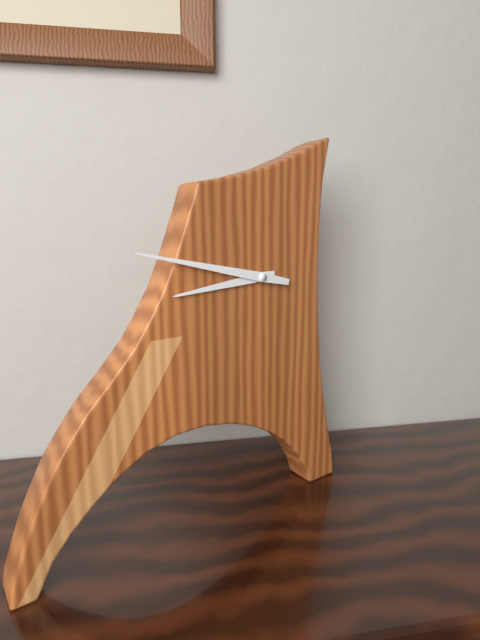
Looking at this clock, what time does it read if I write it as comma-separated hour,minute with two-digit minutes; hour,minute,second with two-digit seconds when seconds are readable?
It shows 8,47
